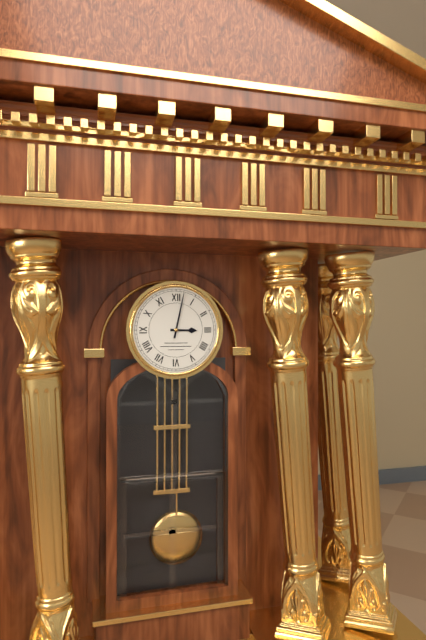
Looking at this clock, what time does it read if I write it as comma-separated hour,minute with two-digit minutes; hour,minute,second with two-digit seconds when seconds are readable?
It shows 3,02
